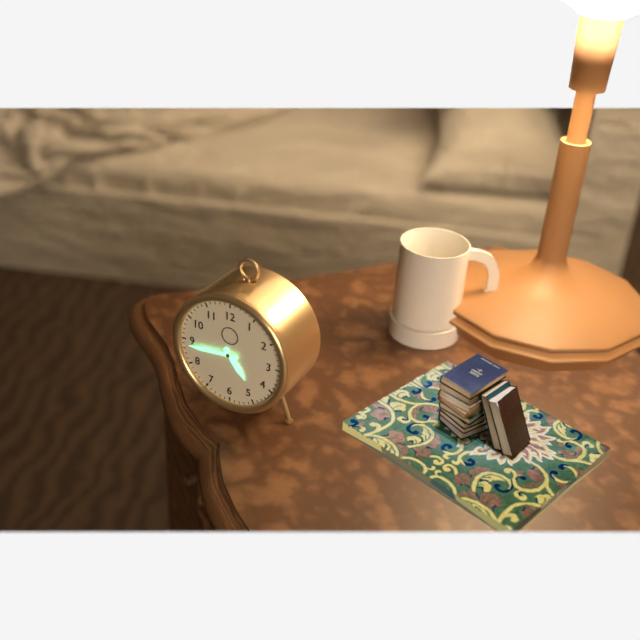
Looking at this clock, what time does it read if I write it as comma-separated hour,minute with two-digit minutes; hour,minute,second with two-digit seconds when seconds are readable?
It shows 4,44
